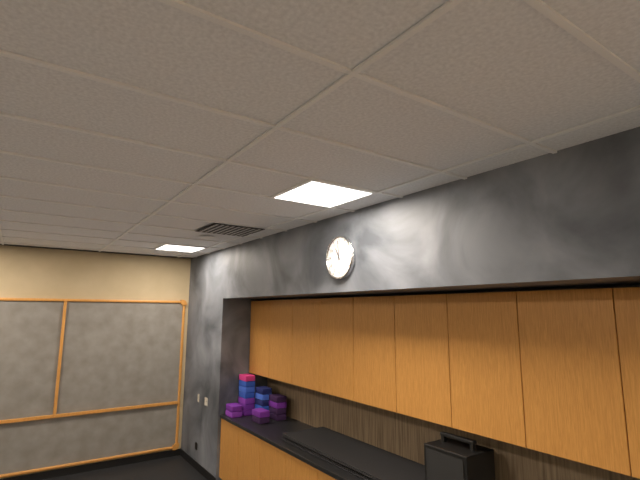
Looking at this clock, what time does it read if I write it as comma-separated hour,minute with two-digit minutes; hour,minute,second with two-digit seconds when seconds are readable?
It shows 10,59
